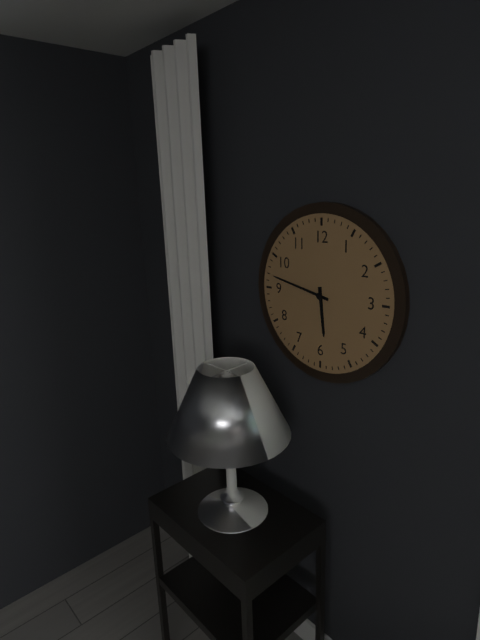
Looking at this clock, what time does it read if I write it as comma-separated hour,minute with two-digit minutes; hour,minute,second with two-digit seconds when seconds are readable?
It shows 5,47
